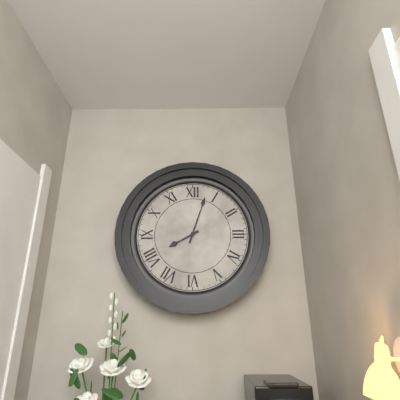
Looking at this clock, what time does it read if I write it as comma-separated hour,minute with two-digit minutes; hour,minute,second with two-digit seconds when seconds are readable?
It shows 8,03
